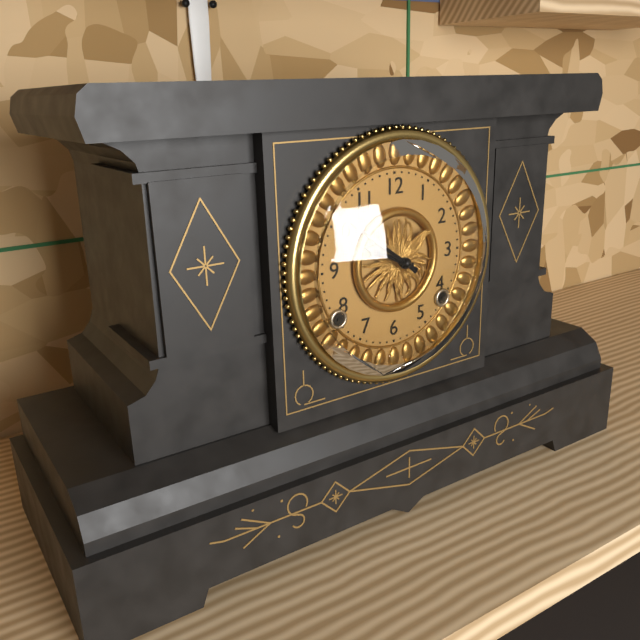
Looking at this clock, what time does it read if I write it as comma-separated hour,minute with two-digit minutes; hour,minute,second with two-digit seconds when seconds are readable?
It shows 9,51
